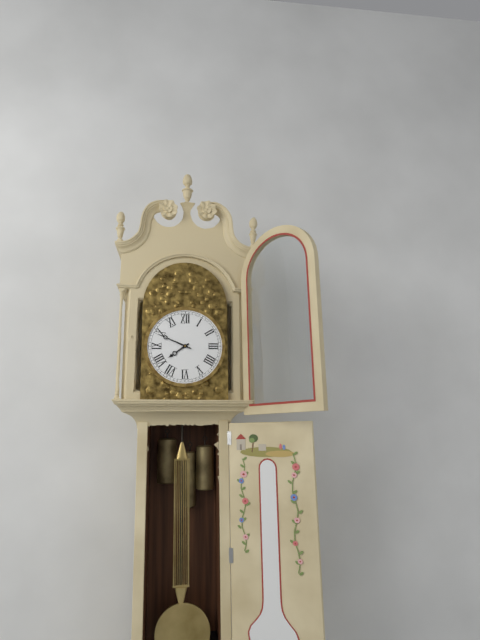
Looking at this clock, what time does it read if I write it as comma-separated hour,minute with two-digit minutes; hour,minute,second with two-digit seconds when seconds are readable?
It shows 7,49
